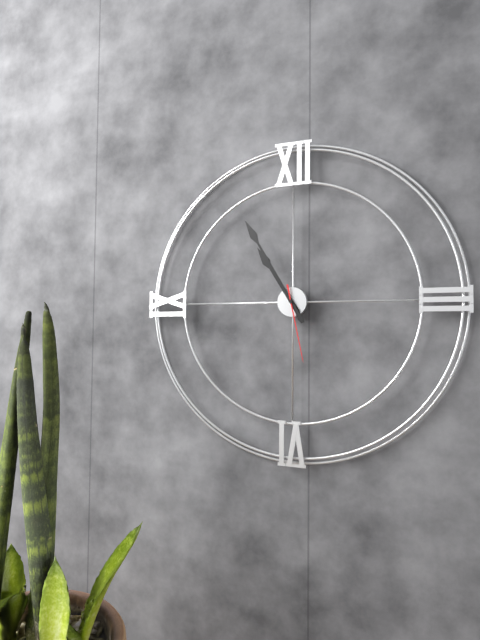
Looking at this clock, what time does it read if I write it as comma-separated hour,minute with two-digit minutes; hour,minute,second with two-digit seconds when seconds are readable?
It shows 10,55,28
